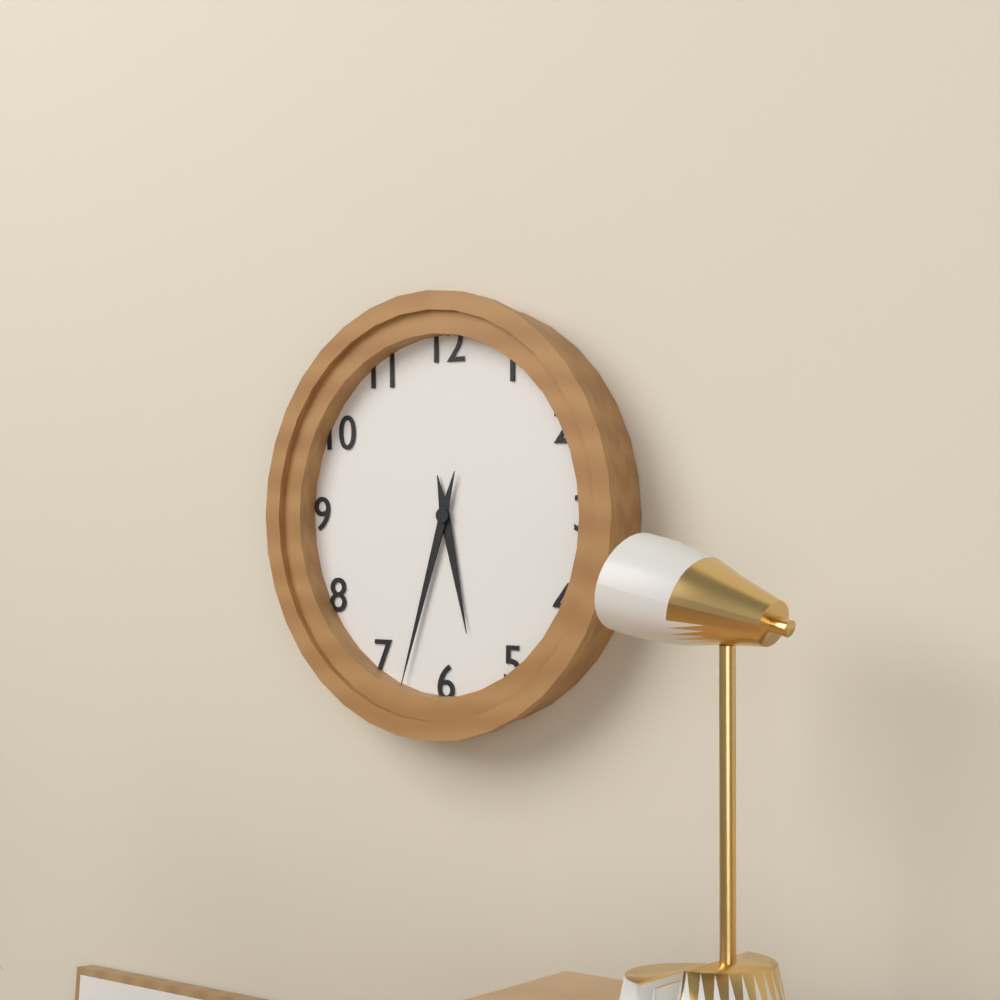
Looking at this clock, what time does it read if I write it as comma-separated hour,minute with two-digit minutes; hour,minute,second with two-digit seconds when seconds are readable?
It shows 5,33
